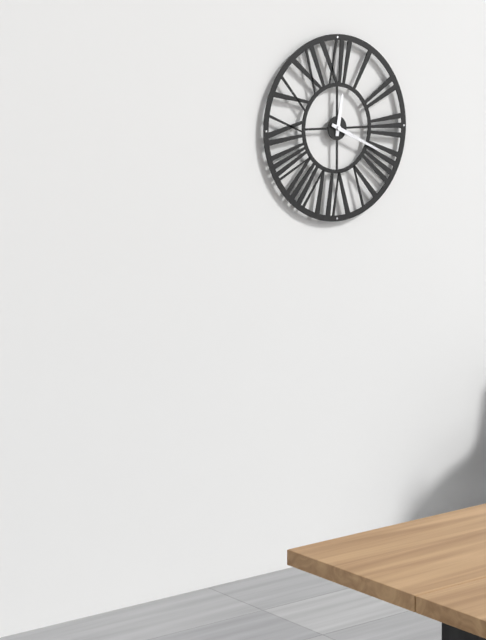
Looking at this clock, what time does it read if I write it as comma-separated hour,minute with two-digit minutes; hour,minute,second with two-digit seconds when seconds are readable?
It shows 12,19
